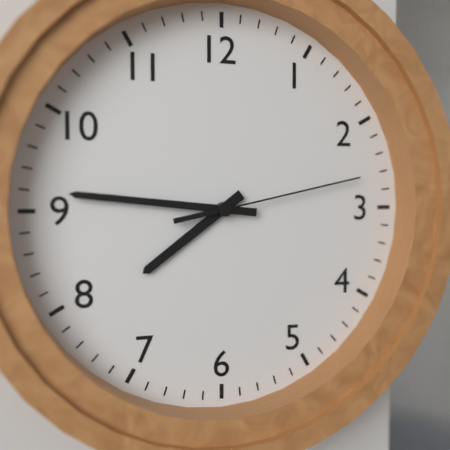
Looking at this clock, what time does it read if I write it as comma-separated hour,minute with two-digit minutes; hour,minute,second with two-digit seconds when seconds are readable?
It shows 7,46,13
